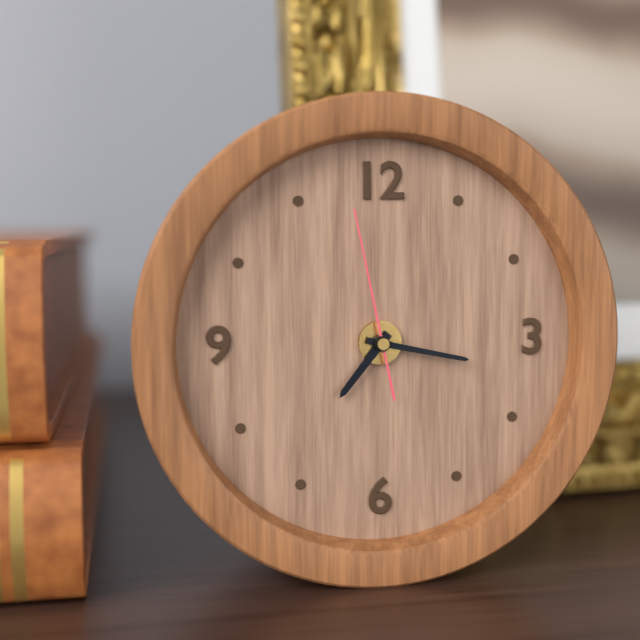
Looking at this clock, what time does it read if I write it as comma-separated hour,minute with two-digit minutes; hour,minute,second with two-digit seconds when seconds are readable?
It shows 7,17,58
